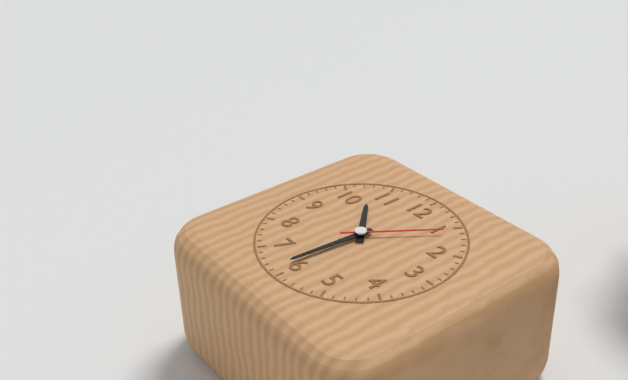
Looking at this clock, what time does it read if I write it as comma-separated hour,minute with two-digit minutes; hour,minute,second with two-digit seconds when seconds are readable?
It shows 10,31,06
